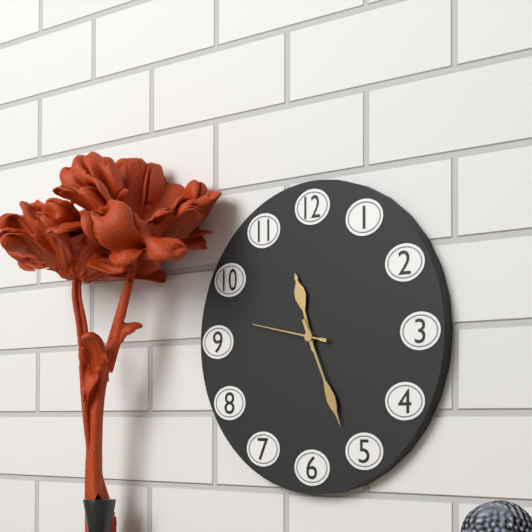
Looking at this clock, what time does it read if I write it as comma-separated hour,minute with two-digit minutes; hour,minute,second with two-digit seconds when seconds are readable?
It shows 11,26,47
